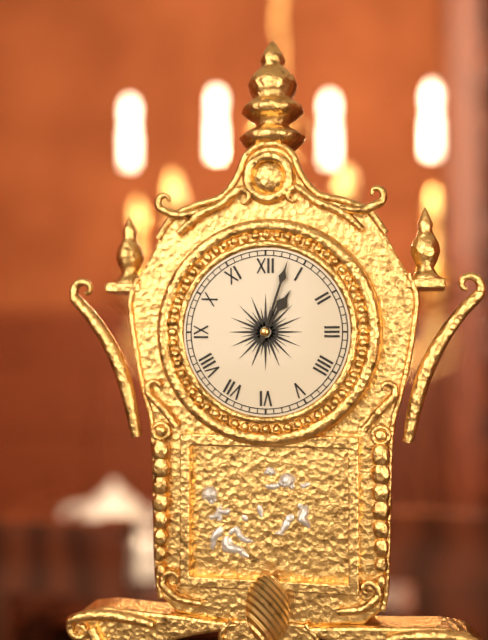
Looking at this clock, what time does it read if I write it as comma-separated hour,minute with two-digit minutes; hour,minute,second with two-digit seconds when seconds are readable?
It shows 1,03
